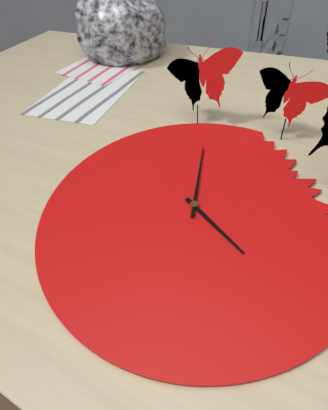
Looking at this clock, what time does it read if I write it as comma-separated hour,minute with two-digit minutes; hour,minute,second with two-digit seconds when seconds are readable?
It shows 3,57
